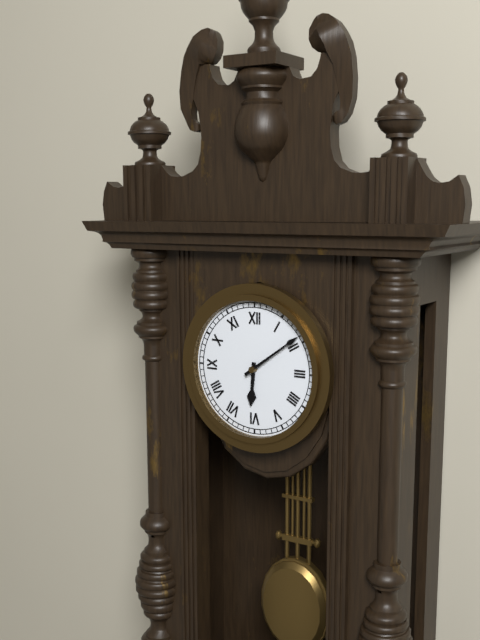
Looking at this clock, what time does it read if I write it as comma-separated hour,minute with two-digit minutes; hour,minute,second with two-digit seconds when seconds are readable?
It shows 6,09
